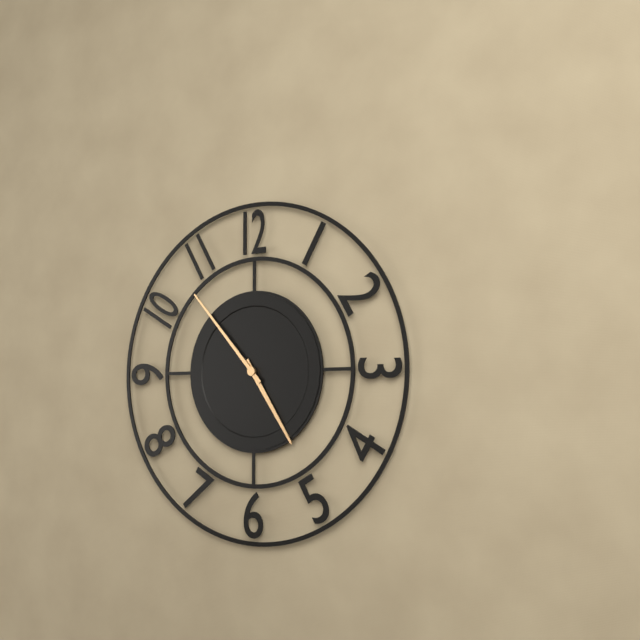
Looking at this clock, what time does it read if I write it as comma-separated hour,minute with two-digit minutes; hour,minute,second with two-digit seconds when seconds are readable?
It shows 4,53
